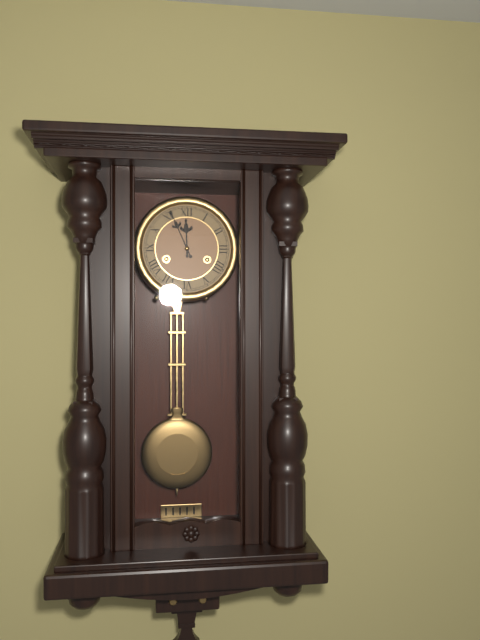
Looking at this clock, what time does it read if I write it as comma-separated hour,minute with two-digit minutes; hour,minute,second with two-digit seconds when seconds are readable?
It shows 11,56
